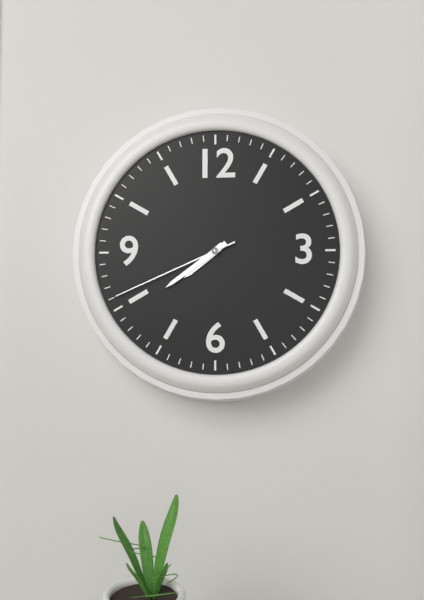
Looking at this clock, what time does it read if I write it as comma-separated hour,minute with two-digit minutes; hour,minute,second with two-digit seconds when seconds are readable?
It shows 7,39,41
